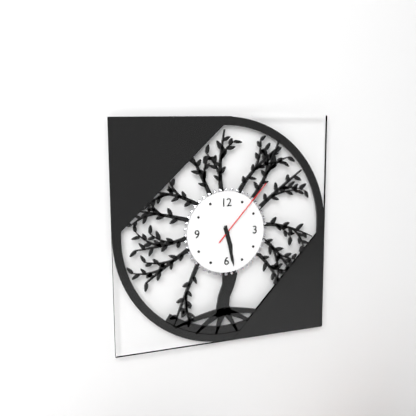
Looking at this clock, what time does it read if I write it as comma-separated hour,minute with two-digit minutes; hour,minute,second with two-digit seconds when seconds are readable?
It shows 5,28,07
